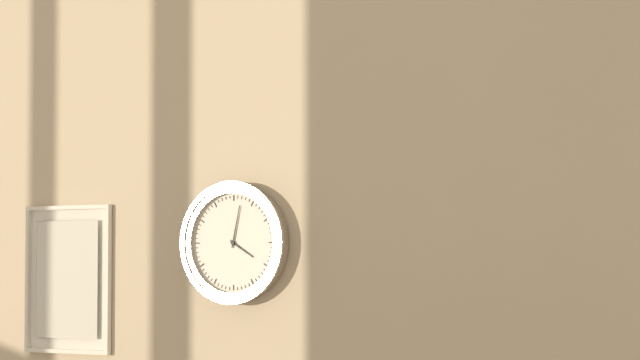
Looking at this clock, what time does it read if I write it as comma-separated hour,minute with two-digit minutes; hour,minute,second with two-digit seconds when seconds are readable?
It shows 4,02
